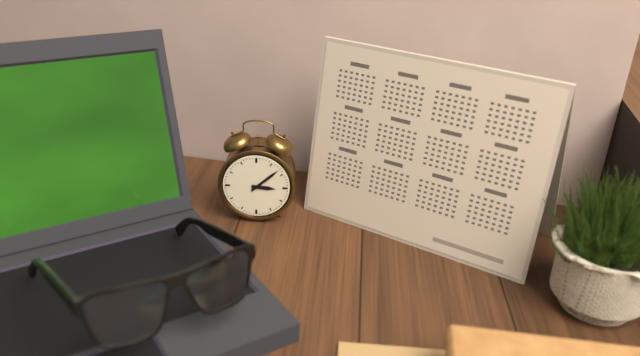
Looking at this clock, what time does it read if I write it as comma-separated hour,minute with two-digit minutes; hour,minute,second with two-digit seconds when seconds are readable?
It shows 3,08
